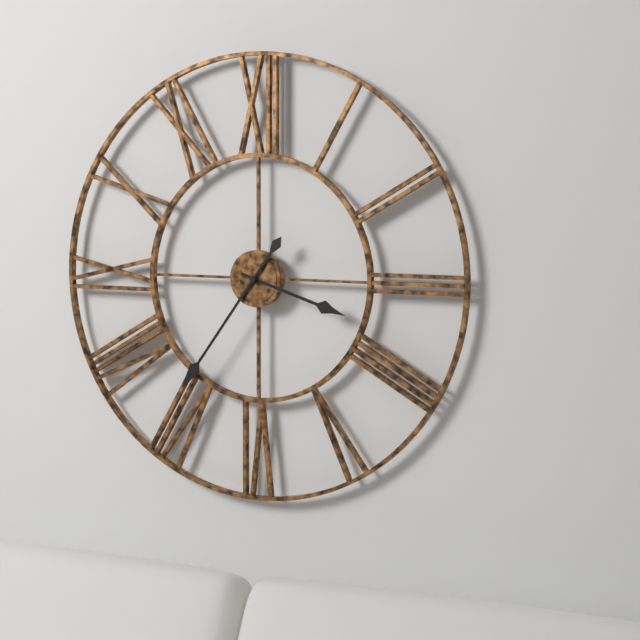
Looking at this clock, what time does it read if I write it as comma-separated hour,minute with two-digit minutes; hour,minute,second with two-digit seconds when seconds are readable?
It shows 3,36
